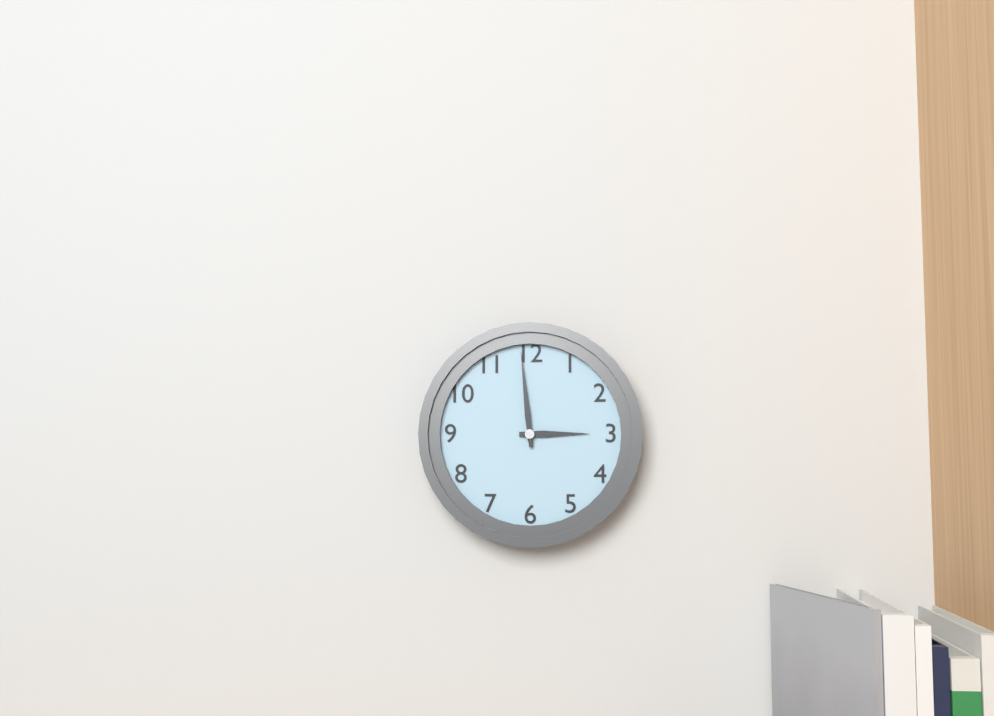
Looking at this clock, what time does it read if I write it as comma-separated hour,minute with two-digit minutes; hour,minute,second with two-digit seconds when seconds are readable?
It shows 2,59
